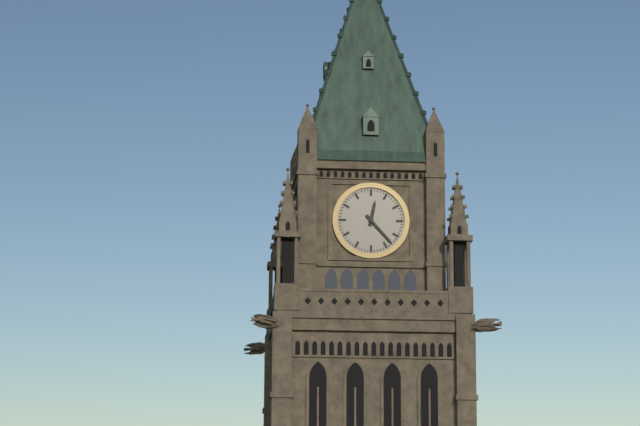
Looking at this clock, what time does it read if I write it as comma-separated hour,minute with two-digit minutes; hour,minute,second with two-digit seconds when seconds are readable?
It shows 12,23
